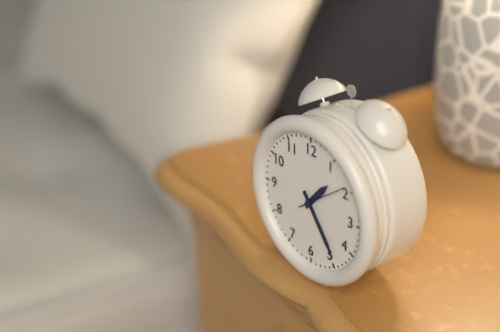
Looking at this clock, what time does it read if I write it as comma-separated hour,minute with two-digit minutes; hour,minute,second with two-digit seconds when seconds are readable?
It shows 1,24
